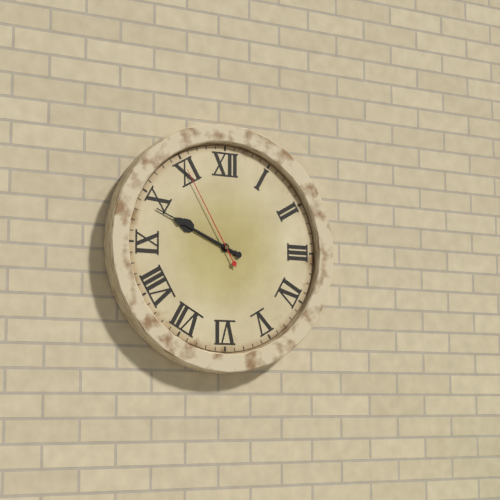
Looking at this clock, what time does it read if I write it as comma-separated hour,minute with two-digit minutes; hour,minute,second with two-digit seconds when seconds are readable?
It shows 9,49,55
